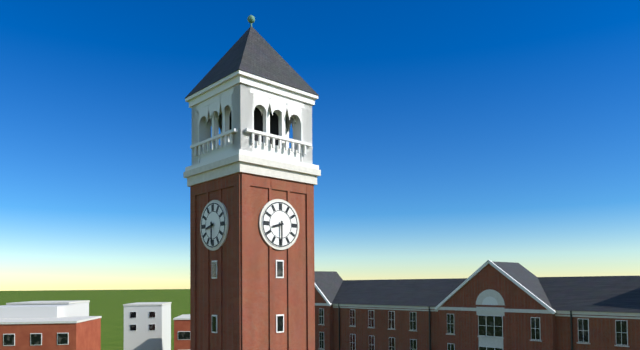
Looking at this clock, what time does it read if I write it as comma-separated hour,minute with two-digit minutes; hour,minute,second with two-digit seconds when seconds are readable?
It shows 8,30
